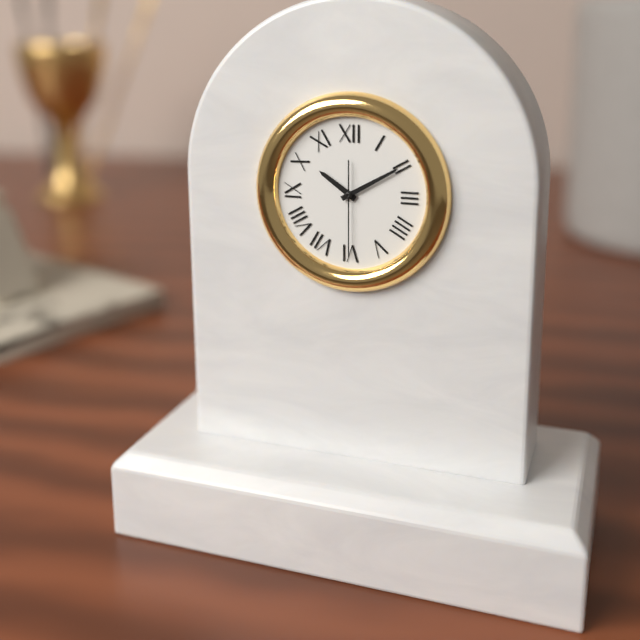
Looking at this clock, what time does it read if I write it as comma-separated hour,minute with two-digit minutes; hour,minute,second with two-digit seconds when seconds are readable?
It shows 10,10,30
